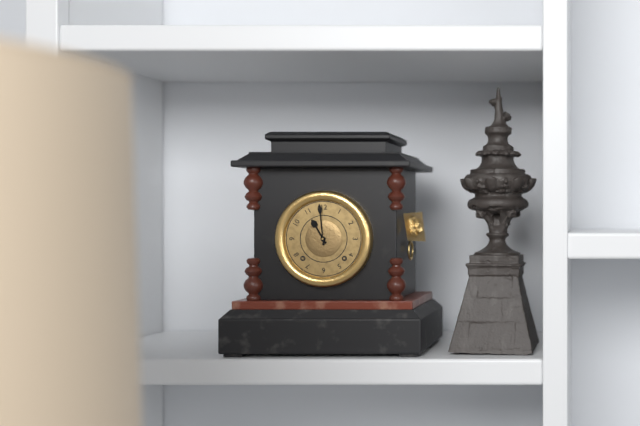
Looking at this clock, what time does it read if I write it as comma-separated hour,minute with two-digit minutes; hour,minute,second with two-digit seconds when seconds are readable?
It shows 10,59
